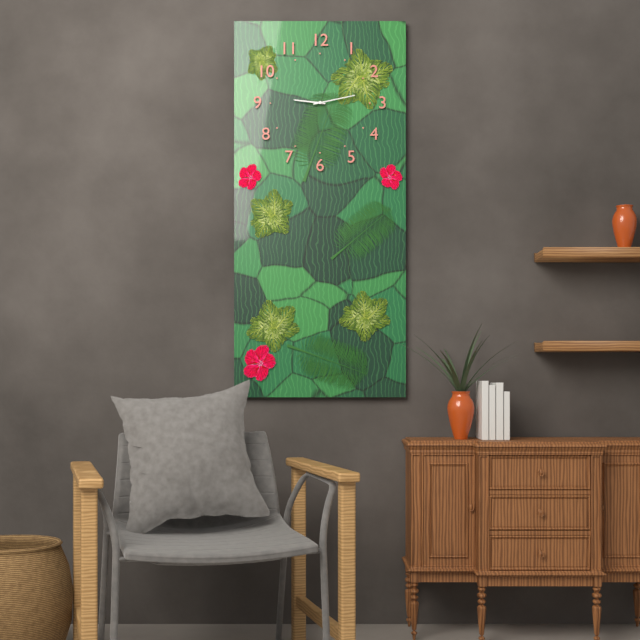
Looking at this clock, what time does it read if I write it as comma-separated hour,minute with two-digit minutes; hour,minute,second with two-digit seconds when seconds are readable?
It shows 9,13
